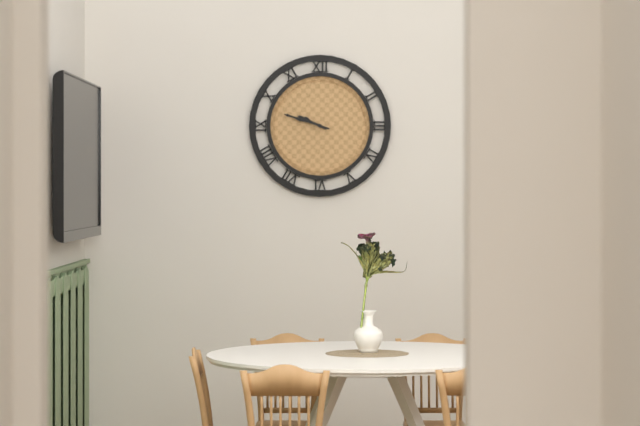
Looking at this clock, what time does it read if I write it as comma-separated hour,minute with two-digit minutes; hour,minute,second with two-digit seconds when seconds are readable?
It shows 9,48
